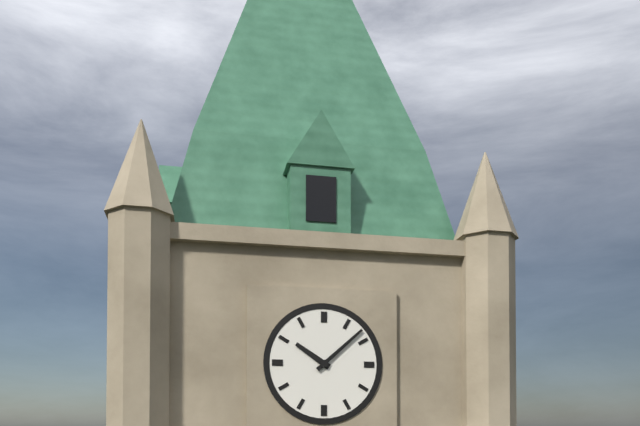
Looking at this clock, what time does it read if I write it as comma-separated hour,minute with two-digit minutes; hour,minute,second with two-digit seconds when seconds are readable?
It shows 10,08
